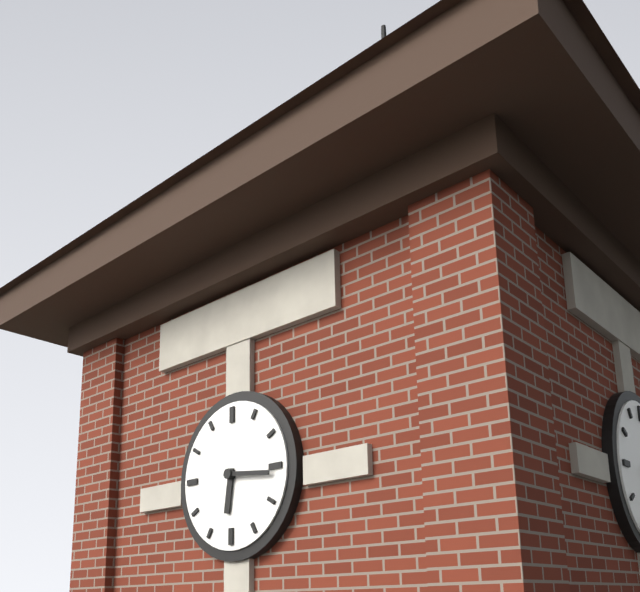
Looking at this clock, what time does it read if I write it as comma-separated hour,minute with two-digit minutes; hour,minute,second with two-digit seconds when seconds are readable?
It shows 6,16
